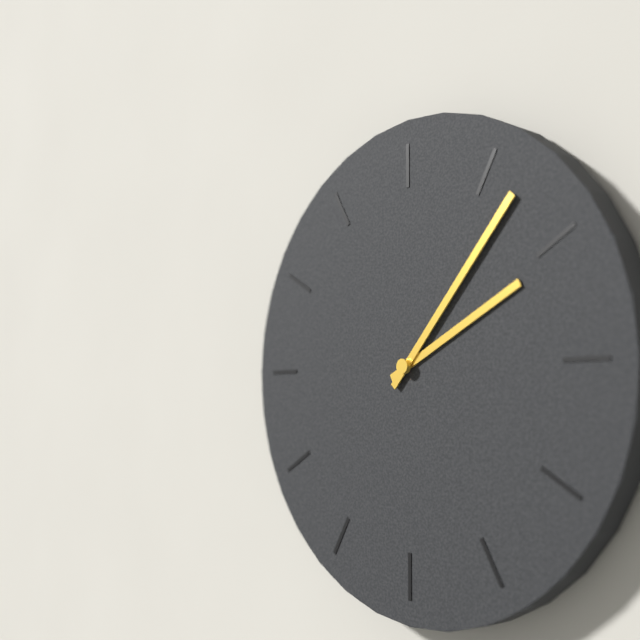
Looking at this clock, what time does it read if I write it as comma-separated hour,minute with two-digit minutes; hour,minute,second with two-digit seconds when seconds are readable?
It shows 2,07
